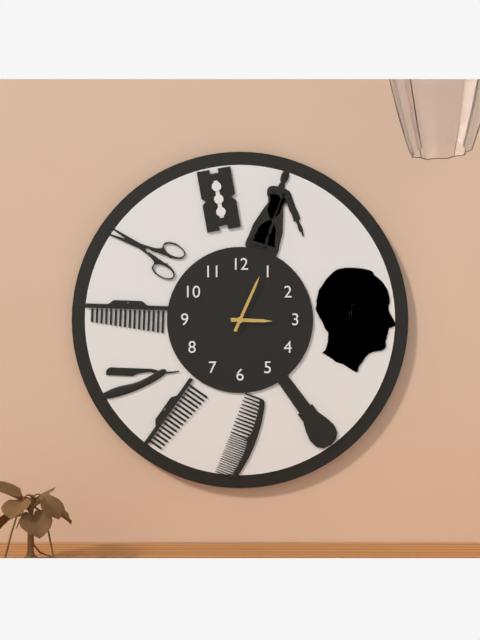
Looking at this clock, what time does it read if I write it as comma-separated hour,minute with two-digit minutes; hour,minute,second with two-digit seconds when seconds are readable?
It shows 3,04
